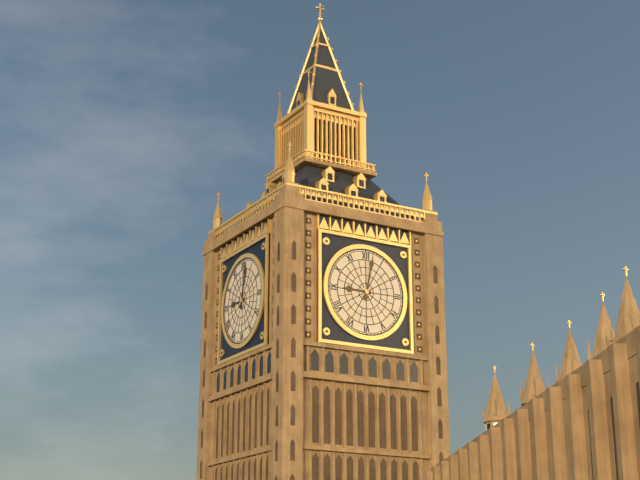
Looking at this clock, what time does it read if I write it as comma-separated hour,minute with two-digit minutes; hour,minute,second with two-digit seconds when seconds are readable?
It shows 9,02
